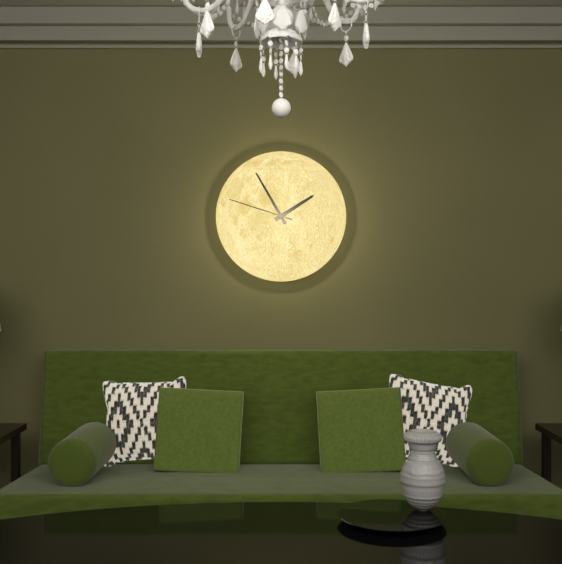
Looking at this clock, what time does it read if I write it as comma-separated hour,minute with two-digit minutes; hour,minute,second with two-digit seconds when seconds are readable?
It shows 1,55,48
